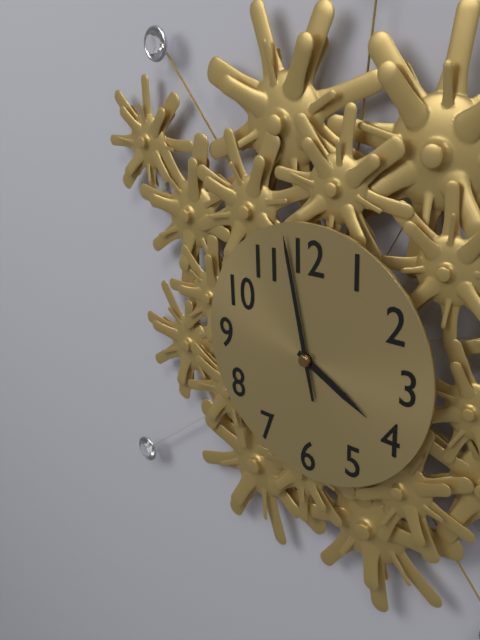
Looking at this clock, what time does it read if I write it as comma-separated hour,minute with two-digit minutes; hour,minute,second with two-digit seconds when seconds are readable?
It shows 3,58
